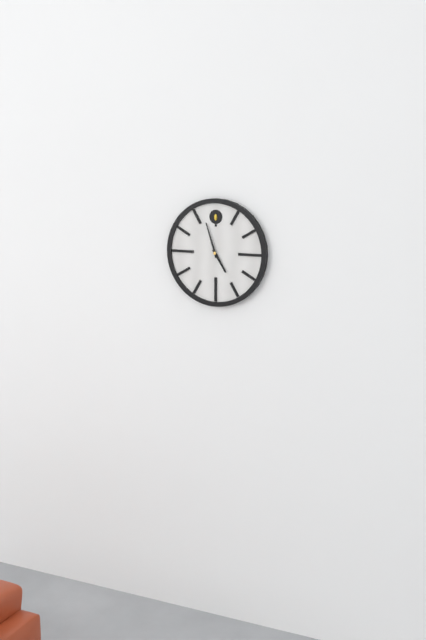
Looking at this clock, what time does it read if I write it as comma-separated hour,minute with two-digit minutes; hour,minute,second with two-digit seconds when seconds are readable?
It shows 4,57
